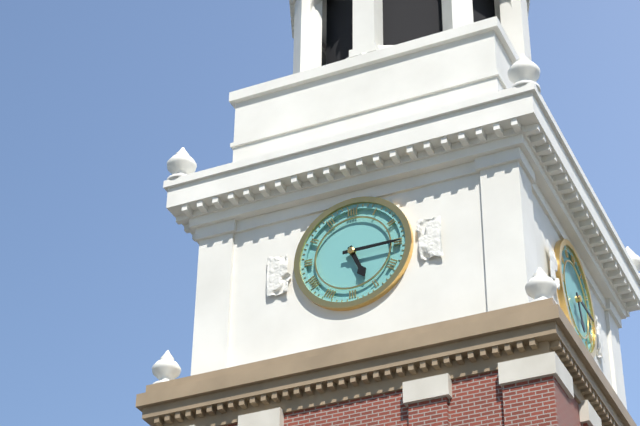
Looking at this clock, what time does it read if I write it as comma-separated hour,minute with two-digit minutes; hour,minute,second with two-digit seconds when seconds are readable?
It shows 5,15
